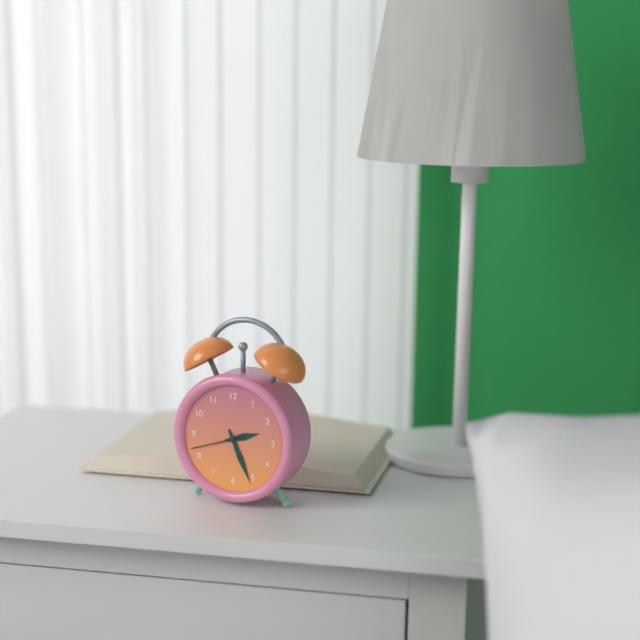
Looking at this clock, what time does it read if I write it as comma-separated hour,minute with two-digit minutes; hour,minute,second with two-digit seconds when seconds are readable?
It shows 2,26,42
